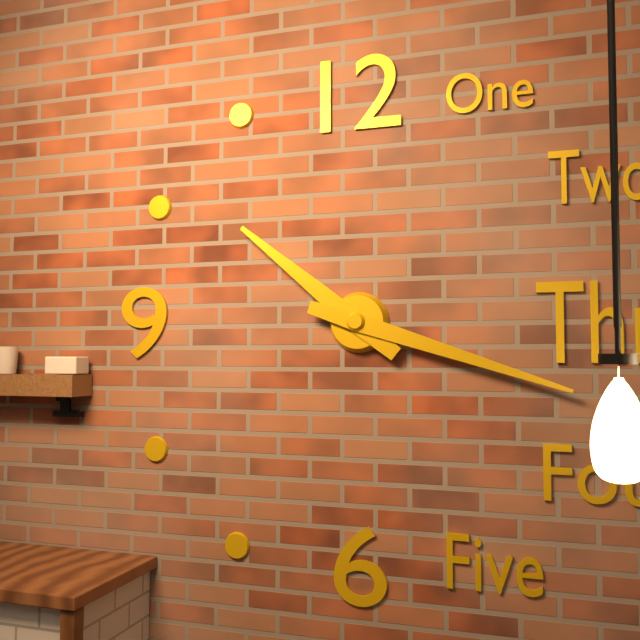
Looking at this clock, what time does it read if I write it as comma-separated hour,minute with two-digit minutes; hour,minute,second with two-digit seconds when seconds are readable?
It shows 10,18
